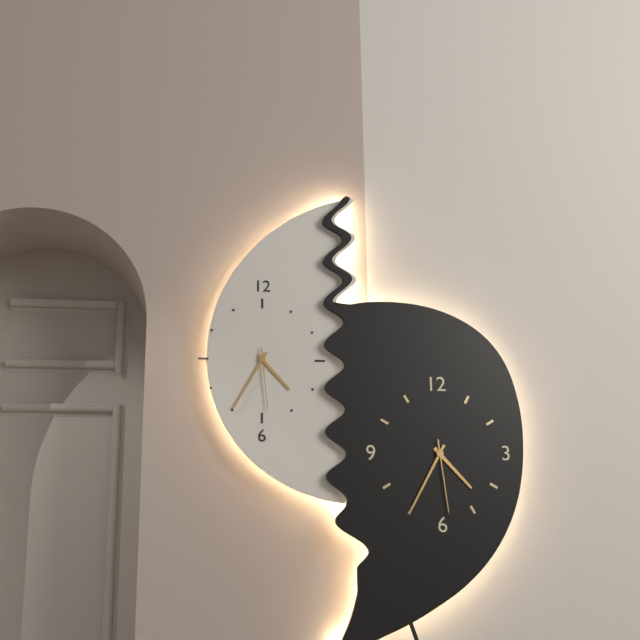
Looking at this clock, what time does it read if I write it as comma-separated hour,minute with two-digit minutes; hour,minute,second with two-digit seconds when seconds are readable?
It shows 4,35,29
